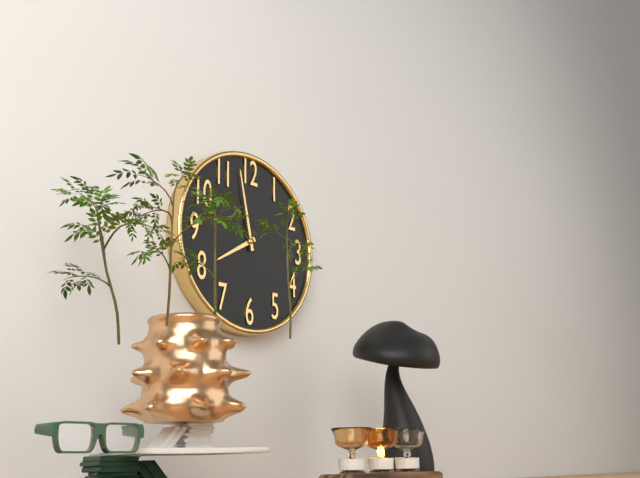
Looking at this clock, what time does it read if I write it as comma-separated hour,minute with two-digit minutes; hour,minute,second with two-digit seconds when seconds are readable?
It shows 7,58
